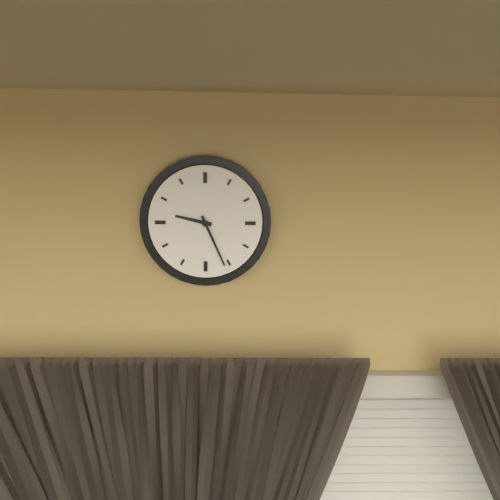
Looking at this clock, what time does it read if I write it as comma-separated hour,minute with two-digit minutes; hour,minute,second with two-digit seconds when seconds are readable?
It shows 9,26
